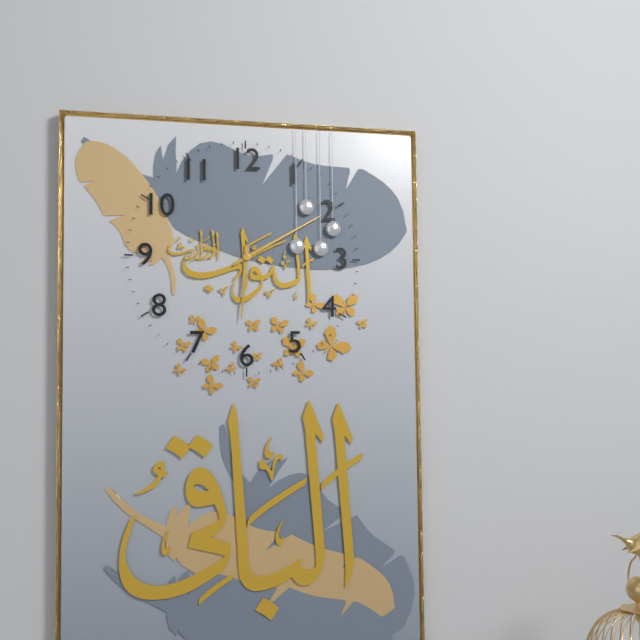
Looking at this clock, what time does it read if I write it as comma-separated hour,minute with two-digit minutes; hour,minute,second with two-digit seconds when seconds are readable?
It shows 6,10
